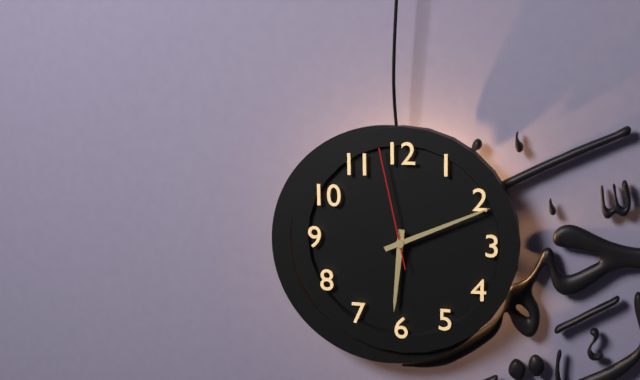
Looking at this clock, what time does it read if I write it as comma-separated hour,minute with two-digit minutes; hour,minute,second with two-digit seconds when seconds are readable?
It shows 6,11,58
